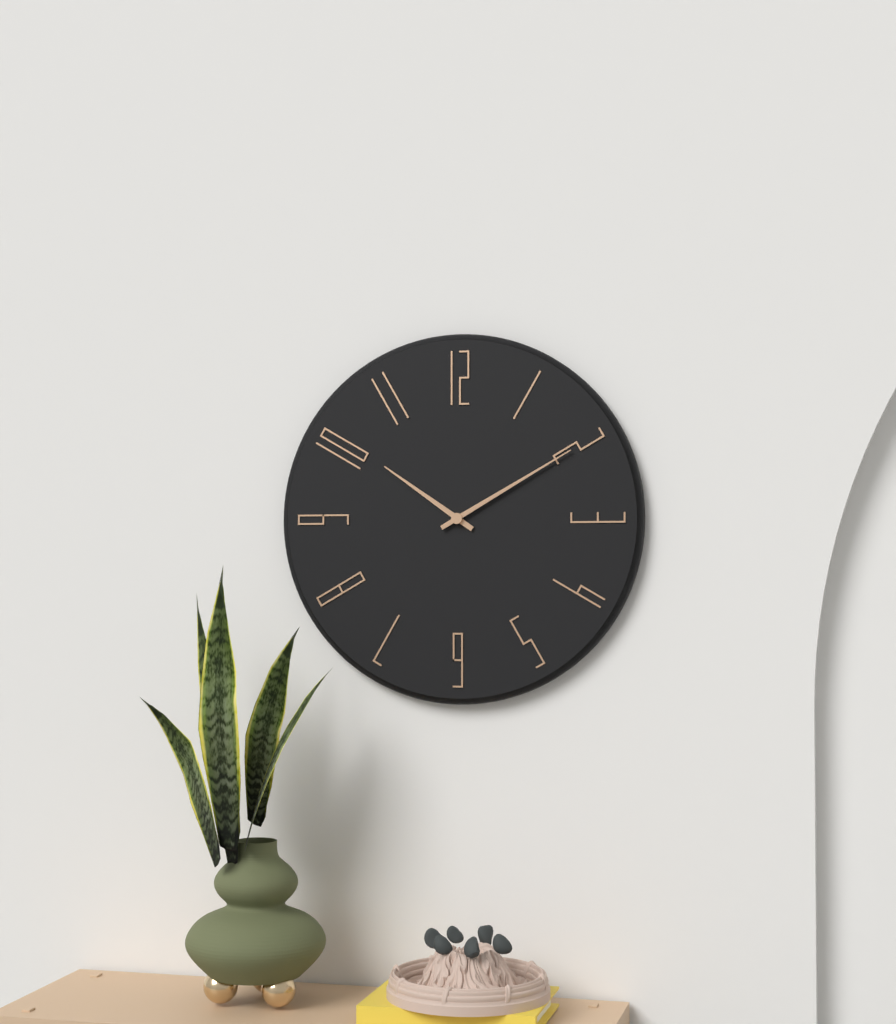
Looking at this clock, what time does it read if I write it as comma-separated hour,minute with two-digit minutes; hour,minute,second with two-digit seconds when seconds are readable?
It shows 10,10
